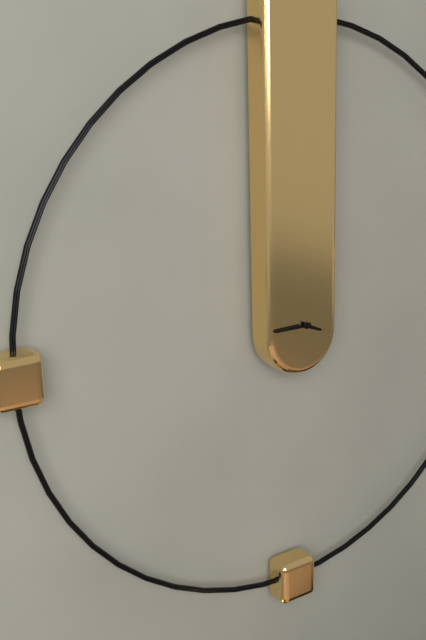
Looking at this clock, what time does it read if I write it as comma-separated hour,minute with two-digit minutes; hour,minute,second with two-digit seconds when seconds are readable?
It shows 3,45
